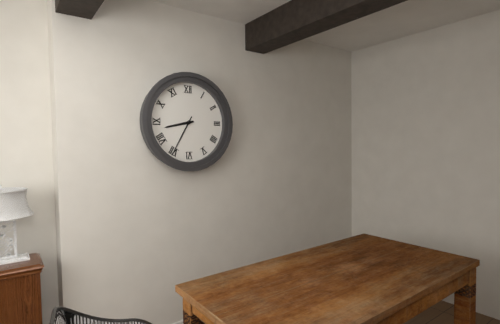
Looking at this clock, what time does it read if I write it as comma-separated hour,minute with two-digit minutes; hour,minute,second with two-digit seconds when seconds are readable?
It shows 8,35
